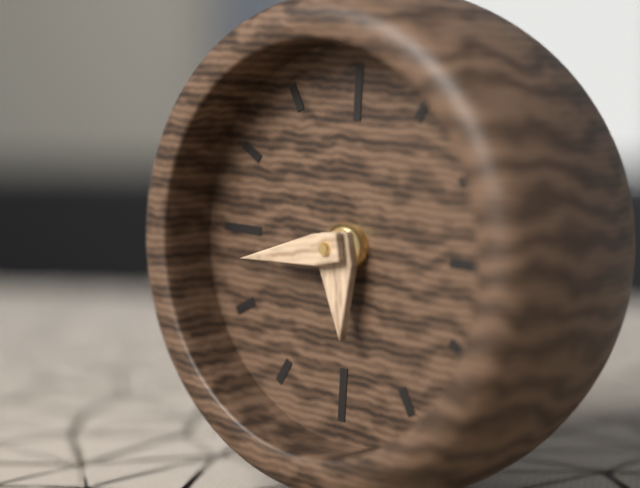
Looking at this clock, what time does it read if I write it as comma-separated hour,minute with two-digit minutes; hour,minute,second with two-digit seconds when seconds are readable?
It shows 5,43
